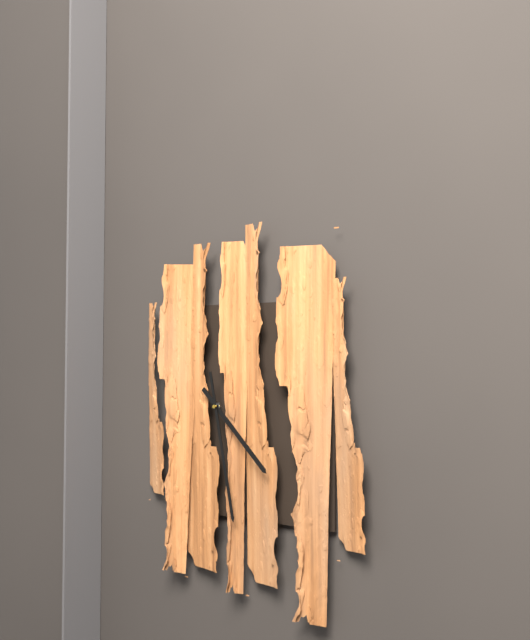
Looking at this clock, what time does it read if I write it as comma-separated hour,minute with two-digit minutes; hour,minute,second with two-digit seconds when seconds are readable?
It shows 4,28
